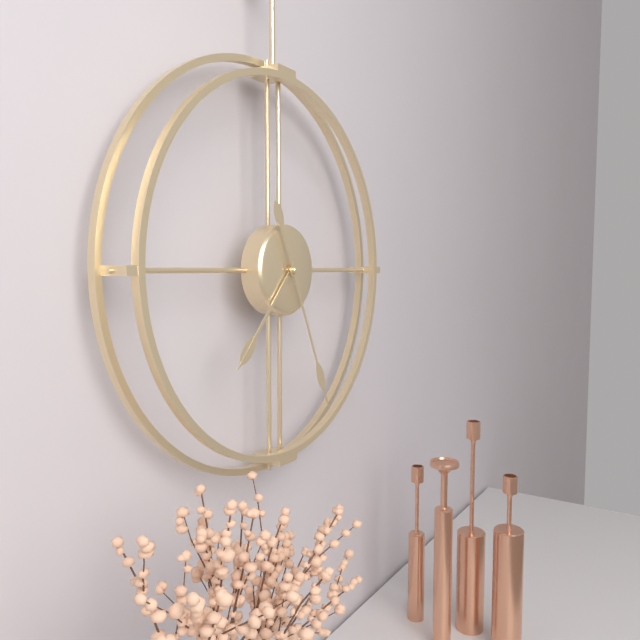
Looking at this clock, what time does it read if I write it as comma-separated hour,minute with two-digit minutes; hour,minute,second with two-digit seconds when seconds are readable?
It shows 7,26
